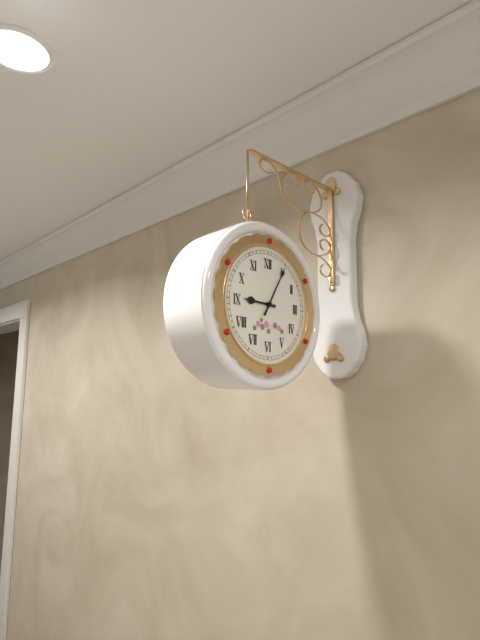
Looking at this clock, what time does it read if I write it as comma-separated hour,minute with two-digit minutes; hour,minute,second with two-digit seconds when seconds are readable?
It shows 9,05
